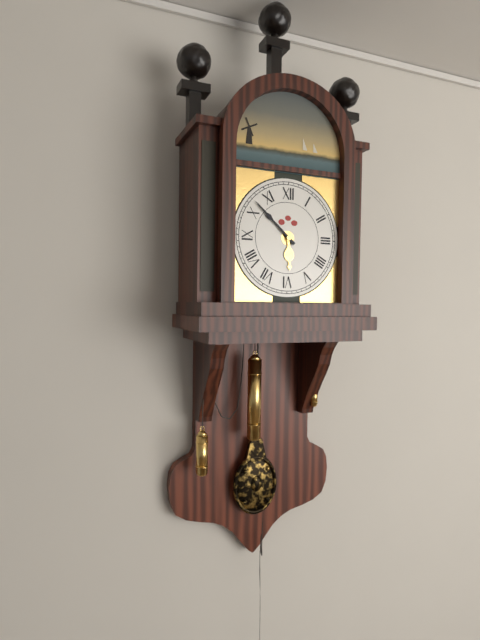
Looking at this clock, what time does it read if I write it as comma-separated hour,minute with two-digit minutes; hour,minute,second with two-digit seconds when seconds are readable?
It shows 5,52
